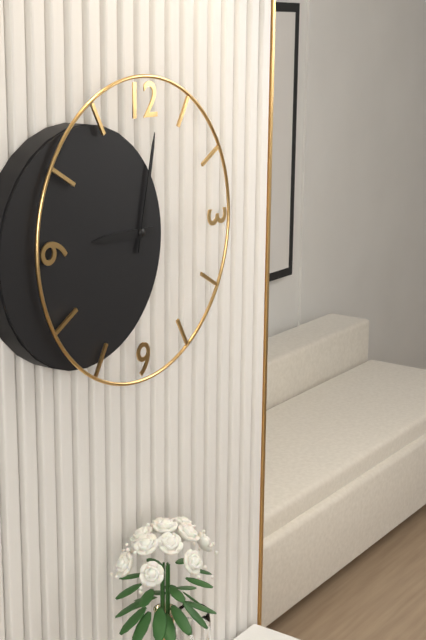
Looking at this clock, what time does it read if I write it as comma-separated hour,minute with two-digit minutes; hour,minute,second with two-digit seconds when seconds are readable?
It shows 9,02
